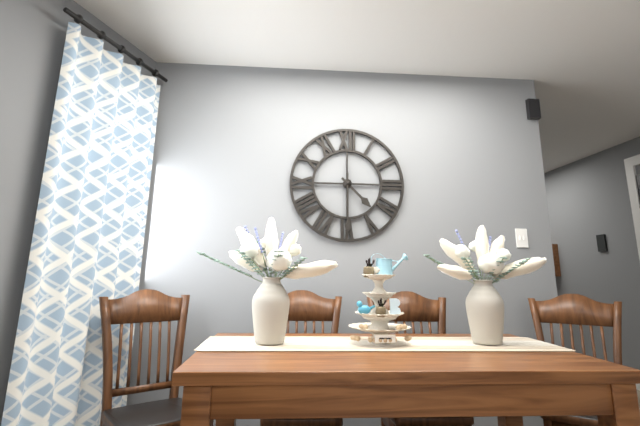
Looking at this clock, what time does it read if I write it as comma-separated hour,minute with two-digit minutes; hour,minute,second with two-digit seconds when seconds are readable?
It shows 4,30
